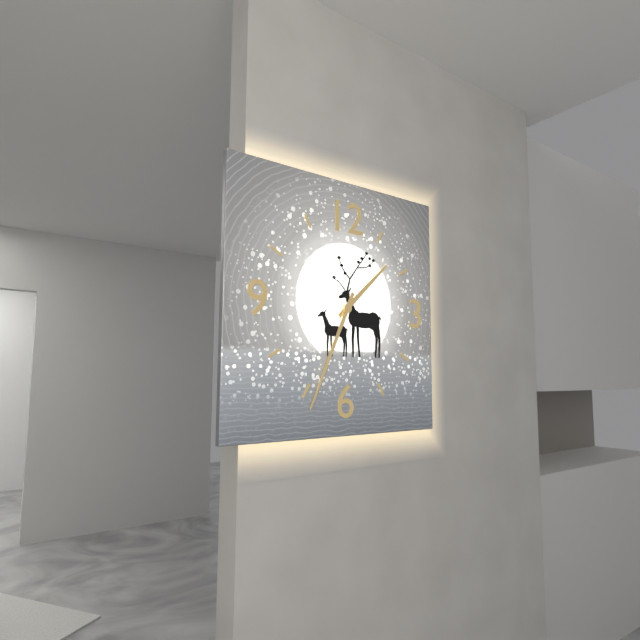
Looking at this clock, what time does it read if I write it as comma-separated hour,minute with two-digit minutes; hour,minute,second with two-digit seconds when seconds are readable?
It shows 1,34
